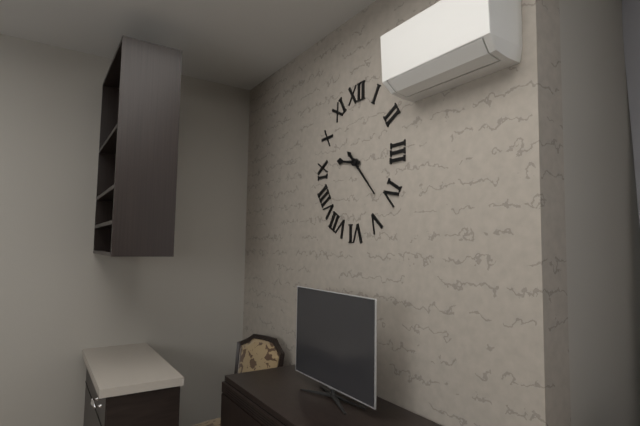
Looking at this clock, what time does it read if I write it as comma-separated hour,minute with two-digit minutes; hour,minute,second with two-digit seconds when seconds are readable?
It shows 9,23
